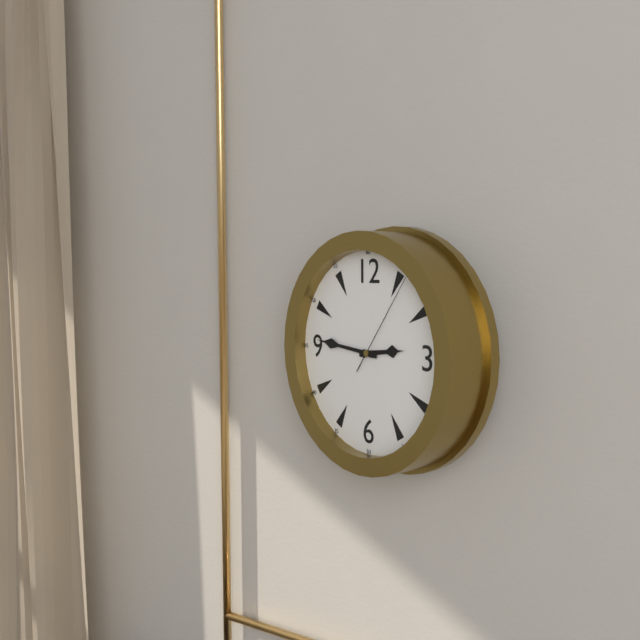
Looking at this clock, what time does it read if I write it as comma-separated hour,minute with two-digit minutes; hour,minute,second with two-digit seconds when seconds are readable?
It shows 2,46,06
